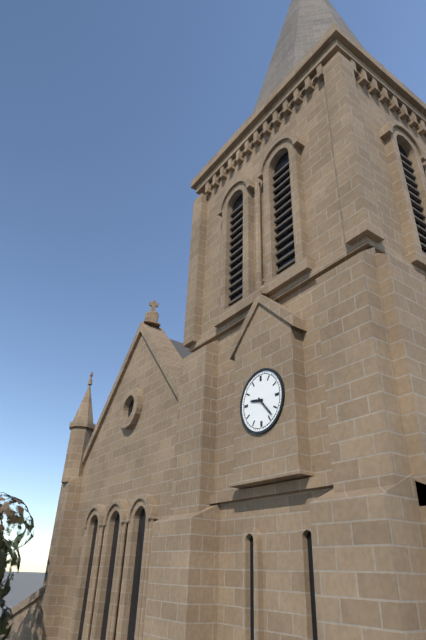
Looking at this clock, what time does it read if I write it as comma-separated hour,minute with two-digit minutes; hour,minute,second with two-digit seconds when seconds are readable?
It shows 9,23
